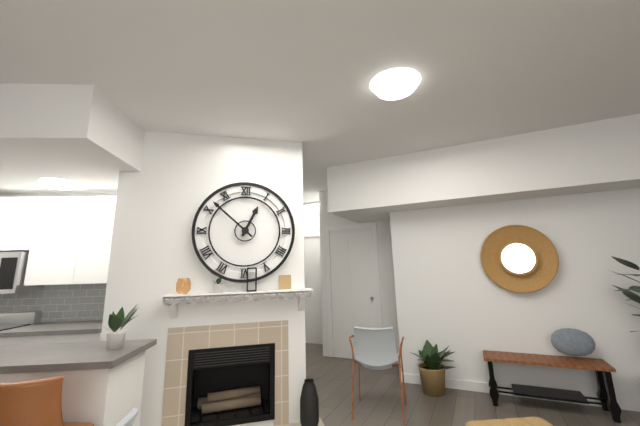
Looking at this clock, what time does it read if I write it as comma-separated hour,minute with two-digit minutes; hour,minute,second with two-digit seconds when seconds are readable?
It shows 12,52
